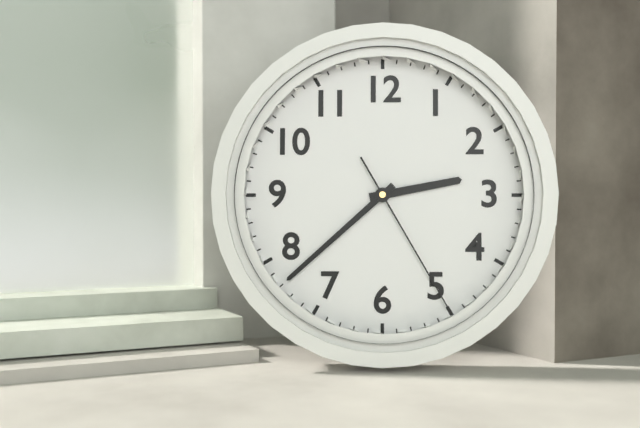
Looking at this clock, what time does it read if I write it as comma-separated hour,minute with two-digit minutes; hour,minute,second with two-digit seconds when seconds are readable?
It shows 2,38,25
